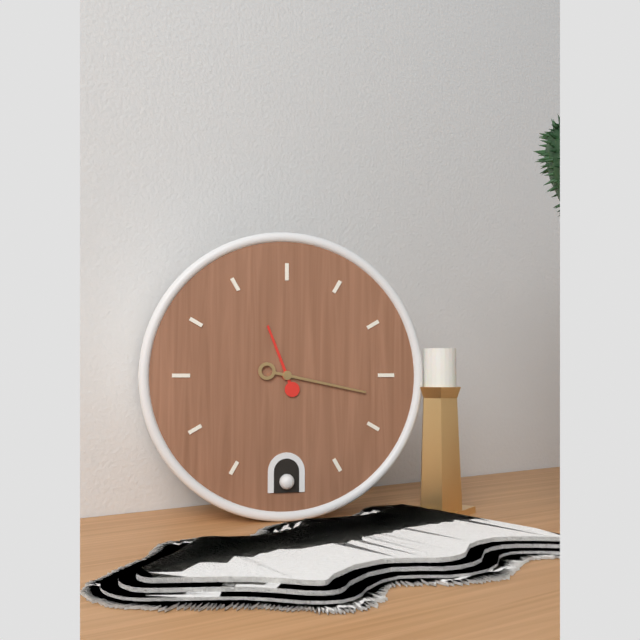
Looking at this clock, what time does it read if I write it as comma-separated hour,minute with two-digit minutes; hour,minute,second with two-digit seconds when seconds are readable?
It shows 11,17
